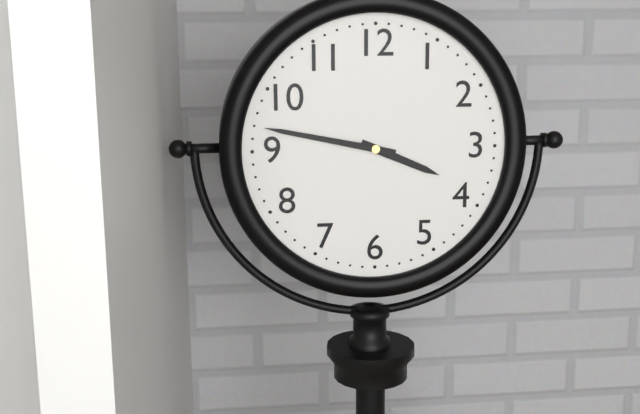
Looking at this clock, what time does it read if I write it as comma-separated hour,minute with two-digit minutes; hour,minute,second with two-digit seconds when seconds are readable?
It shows 3,47
